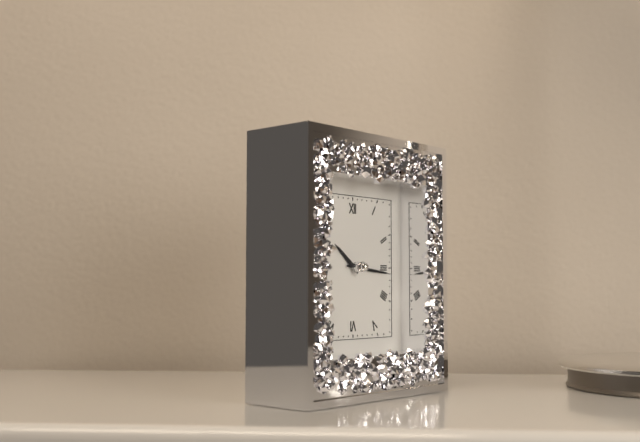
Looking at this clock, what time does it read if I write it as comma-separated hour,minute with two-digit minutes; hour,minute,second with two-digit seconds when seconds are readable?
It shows 10,16
